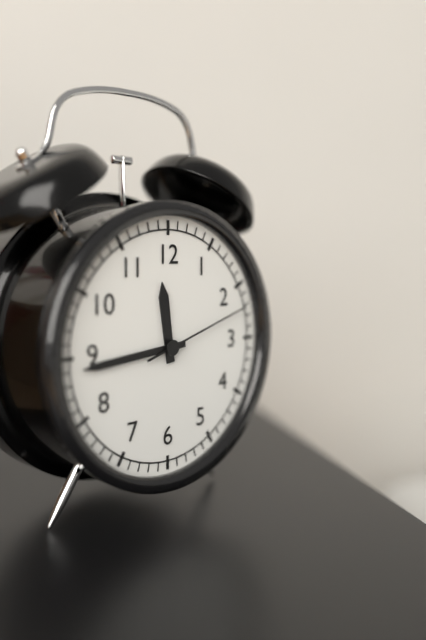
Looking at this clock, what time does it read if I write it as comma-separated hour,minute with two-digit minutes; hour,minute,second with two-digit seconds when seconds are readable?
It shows 11,44,12
